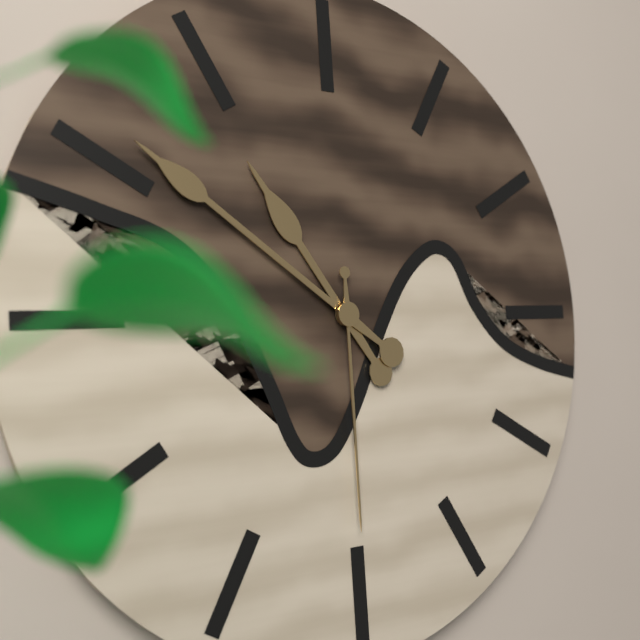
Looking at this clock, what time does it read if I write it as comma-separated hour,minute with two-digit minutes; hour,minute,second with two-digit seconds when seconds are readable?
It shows 10,51,30
